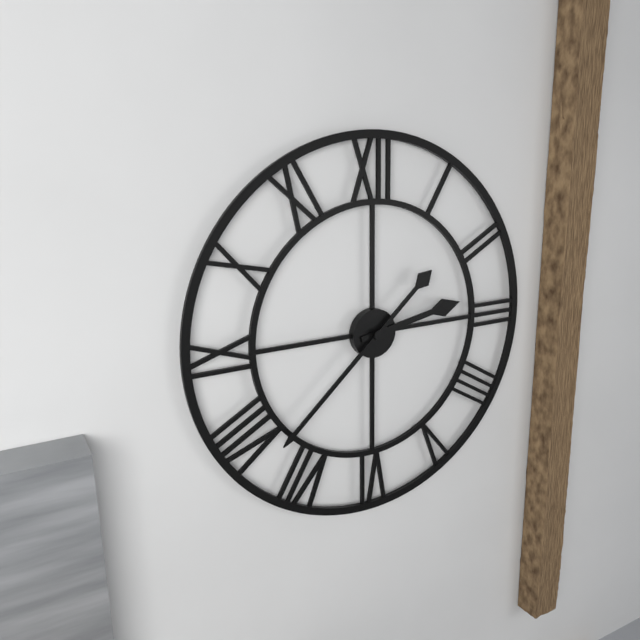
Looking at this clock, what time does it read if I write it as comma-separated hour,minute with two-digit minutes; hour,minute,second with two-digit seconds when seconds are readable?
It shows 2,38
